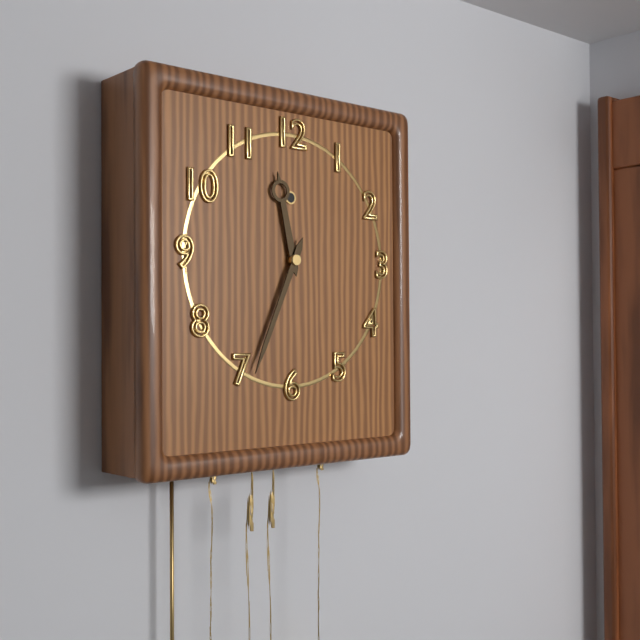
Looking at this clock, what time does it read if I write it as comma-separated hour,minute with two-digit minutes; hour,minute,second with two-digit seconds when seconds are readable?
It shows 11,34
